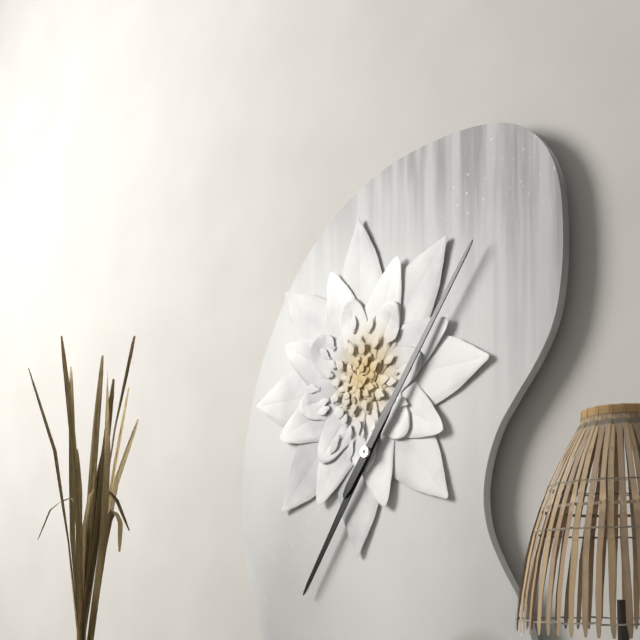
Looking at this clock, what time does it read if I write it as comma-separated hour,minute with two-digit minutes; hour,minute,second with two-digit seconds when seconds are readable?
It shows 7,06
